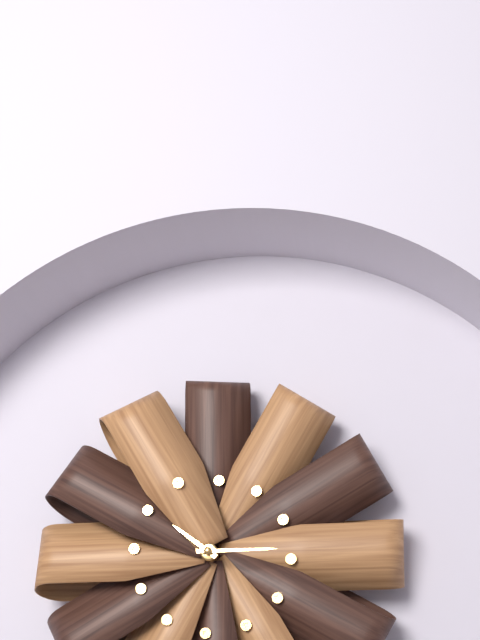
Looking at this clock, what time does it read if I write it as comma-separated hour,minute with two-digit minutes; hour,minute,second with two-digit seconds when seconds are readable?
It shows 10,15
